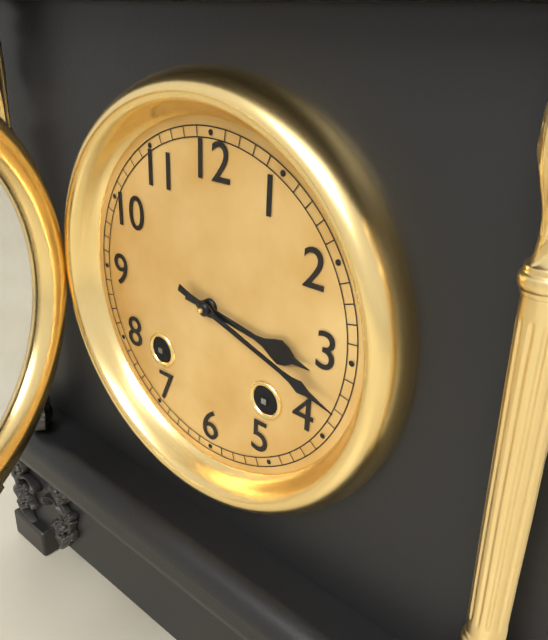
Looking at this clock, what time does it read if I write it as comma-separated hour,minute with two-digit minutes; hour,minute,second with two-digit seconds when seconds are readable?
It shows 3,18
